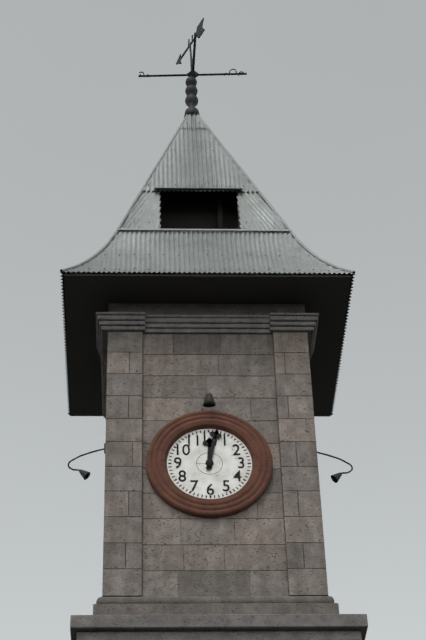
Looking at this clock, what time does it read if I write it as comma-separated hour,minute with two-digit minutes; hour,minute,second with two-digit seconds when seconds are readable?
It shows 12,02
